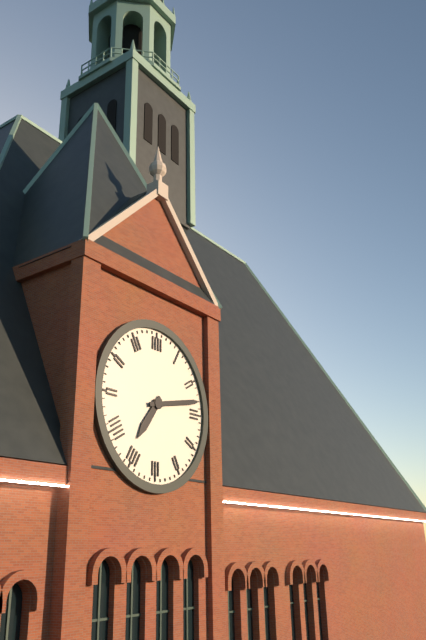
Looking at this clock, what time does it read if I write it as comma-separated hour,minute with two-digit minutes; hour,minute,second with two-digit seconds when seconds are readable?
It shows 7,13
